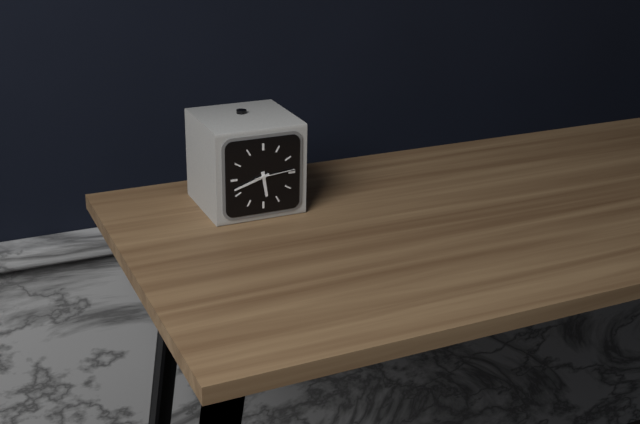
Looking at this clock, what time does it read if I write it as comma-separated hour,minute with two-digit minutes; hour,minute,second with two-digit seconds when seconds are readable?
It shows 5,42
